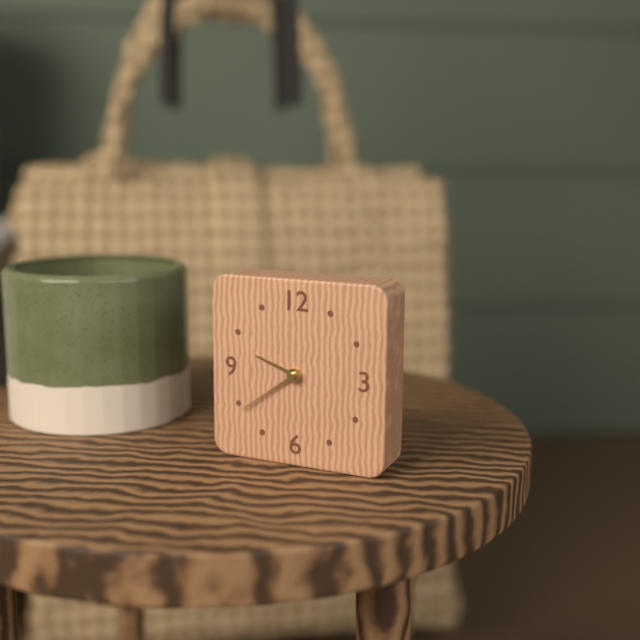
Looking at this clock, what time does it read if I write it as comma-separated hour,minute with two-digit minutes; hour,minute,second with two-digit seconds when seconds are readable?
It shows 9,39
